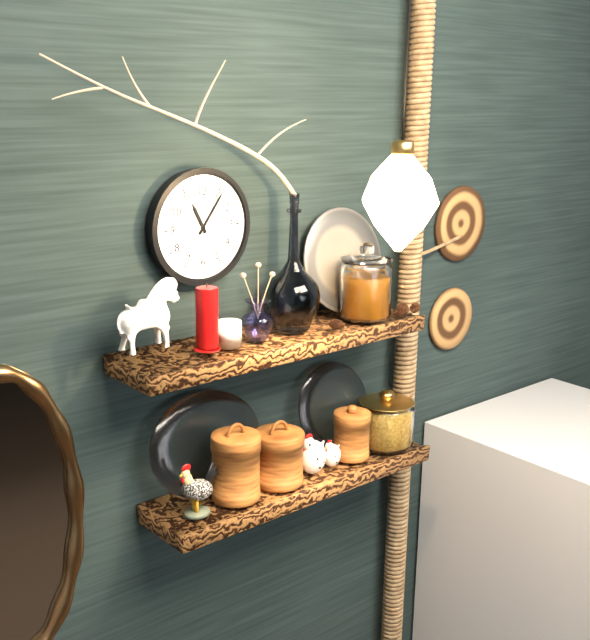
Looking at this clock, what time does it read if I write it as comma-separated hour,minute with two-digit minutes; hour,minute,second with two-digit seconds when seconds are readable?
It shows 11,06
